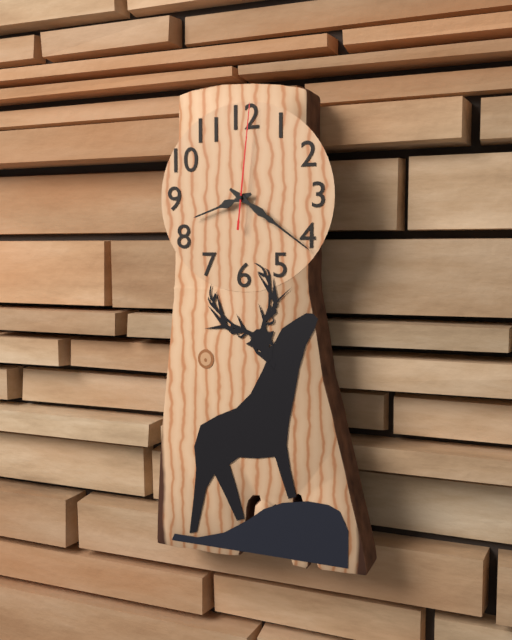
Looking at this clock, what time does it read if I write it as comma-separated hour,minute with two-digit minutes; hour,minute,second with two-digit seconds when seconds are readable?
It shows 8,21,01
